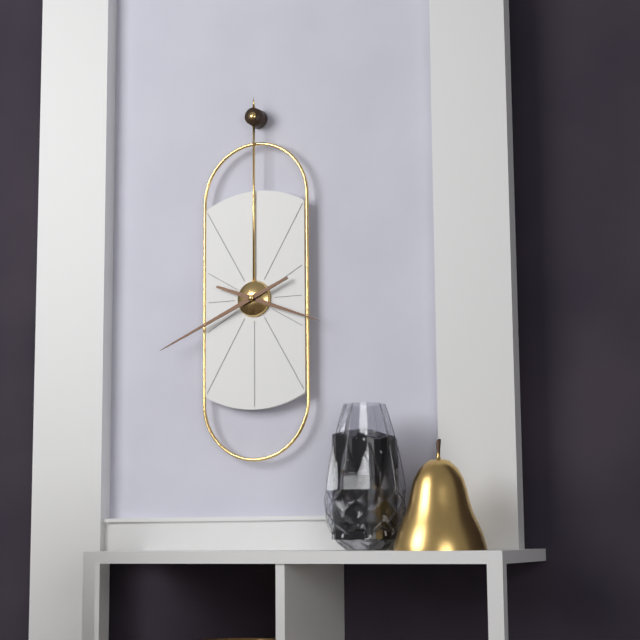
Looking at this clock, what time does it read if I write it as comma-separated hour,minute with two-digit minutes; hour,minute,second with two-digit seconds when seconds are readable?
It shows 3,41
